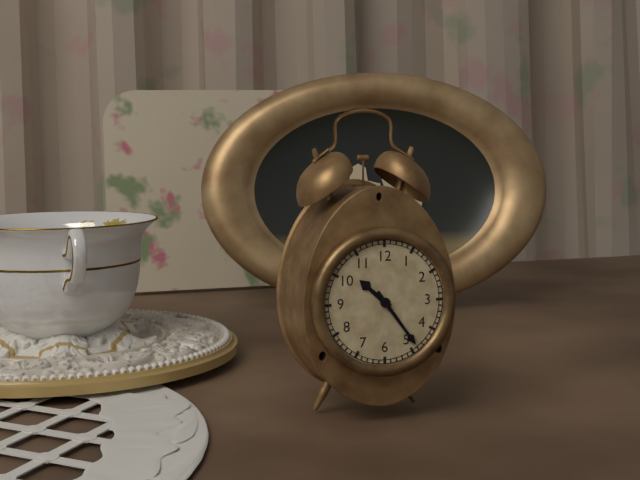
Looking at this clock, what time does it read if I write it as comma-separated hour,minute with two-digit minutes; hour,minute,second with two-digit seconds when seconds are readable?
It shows 10,24
